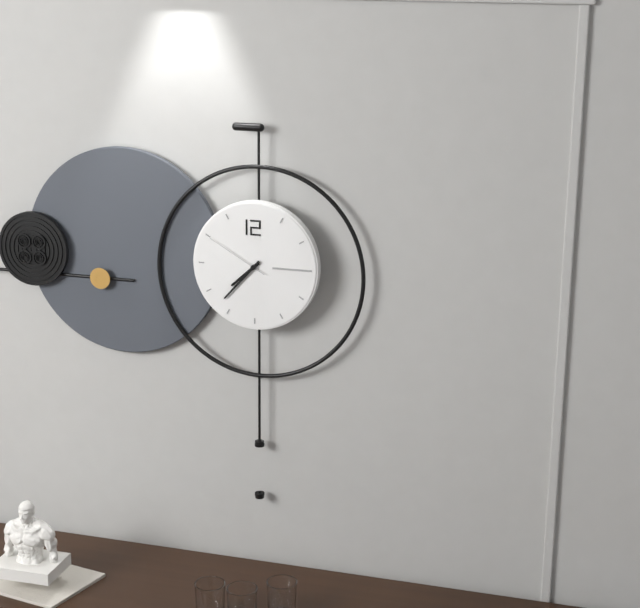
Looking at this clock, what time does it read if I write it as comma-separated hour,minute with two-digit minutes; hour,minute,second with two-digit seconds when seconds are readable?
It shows 7,37,50
